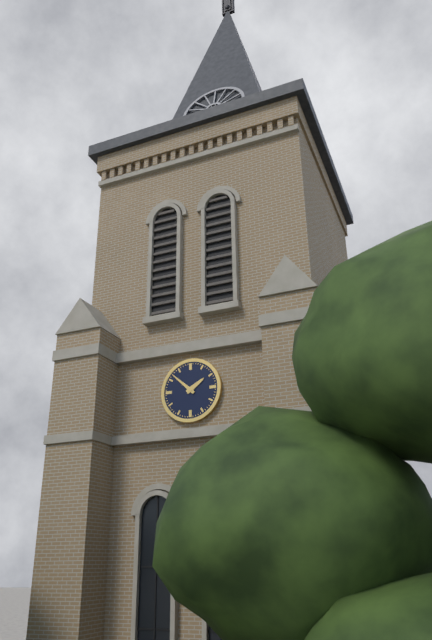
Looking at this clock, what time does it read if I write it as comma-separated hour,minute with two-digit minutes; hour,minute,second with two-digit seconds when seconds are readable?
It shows 1,52
